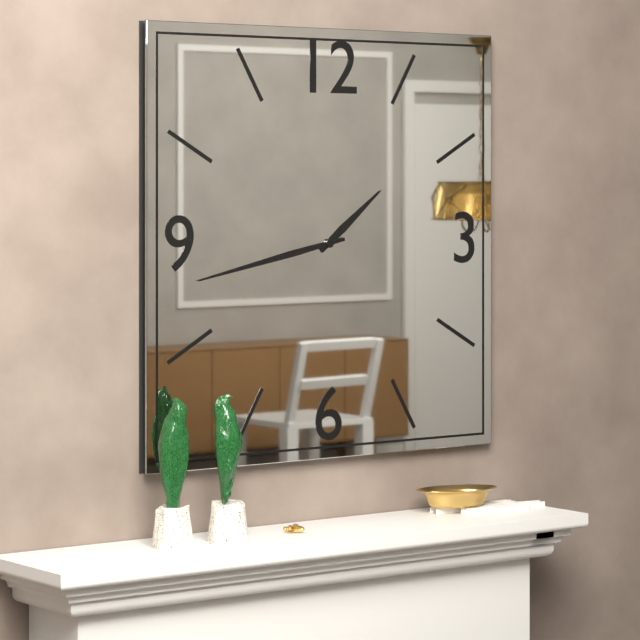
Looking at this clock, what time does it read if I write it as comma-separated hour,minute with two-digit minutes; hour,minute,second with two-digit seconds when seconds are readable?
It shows 1,43
